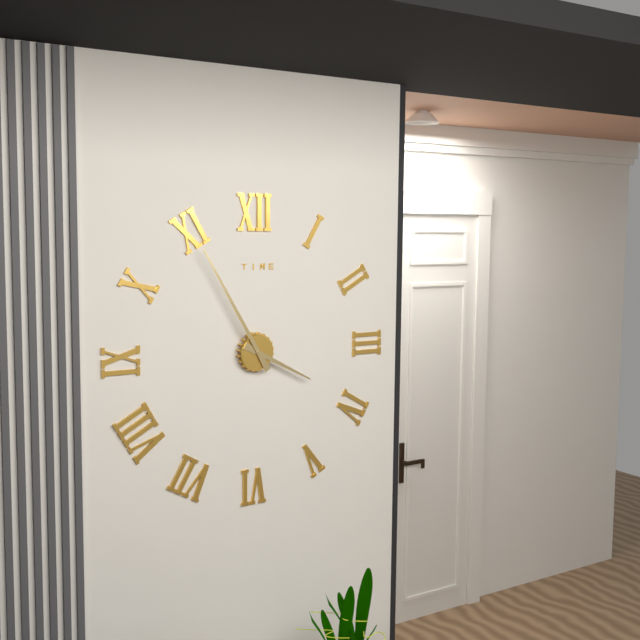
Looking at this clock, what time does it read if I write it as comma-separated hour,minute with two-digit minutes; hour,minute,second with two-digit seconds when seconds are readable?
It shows 3,55
